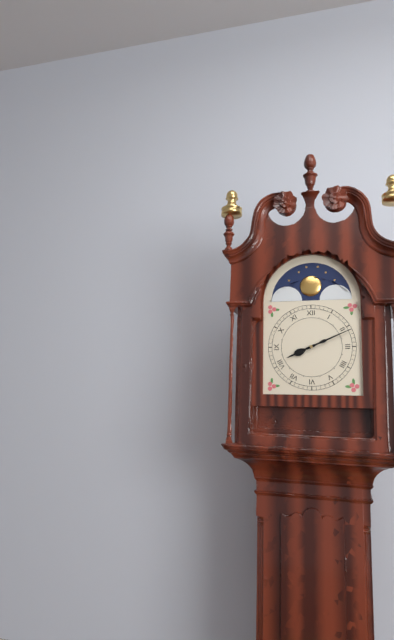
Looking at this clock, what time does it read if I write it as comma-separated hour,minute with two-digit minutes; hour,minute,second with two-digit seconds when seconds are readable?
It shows 8,11
